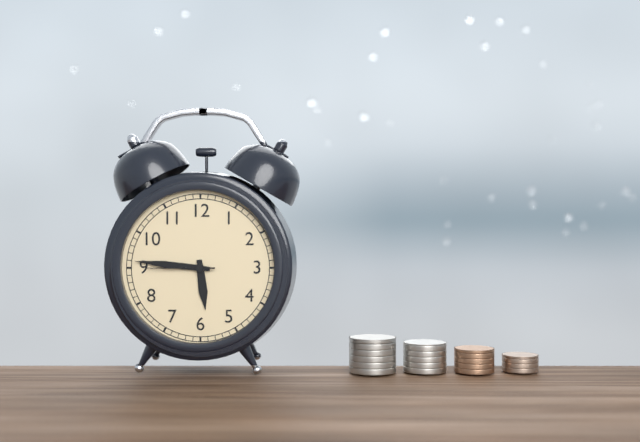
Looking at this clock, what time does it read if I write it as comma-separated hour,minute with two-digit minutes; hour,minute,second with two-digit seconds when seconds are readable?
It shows 5,46,45
